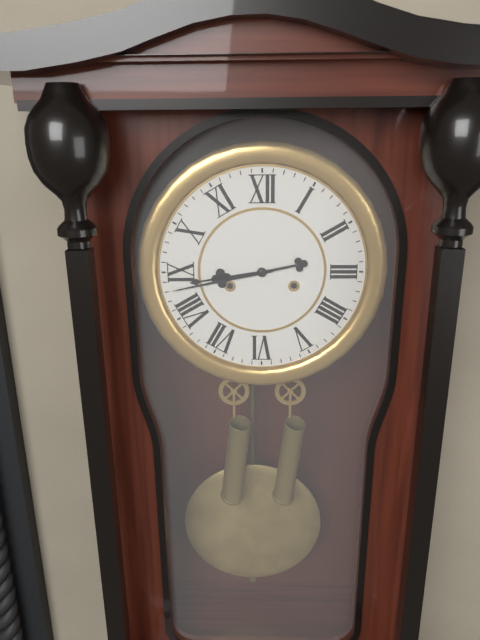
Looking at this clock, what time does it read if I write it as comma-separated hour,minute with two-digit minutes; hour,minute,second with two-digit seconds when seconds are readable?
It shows 8,43
